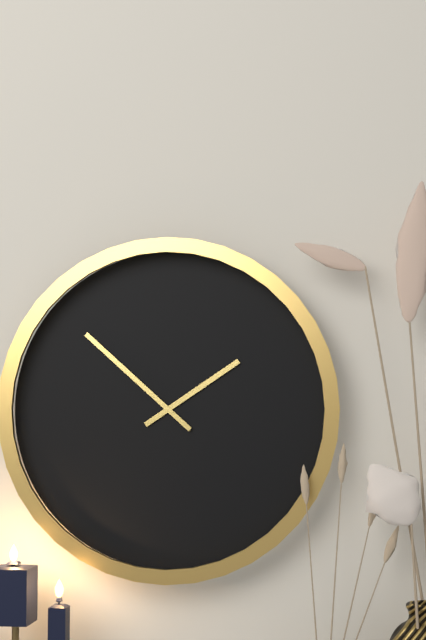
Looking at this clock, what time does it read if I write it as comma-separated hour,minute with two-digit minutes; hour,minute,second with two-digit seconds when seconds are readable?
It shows 1,52
